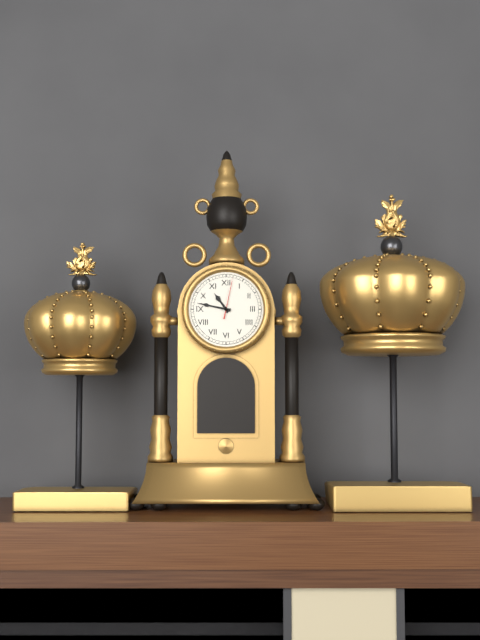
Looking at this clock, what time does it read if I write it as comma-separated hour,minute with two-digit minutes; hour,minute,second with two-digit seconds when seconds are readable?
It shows 10,47
